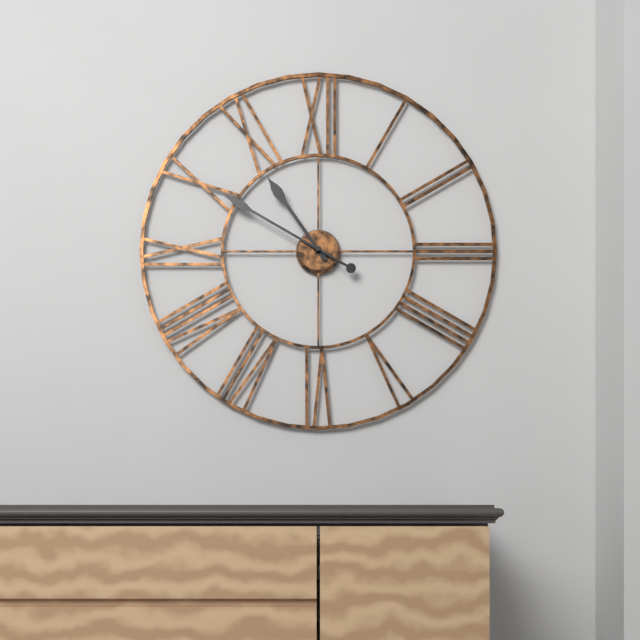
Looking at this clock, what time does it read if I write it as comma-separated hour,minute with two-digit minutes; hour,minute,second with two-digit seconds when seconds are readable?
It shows 10,50
